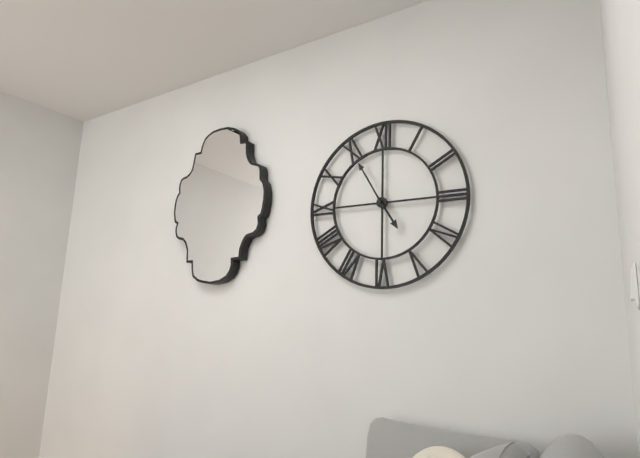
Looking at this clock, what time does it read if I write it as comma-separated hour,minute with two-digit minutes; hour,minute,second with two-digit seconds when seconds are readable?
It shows 4,55
